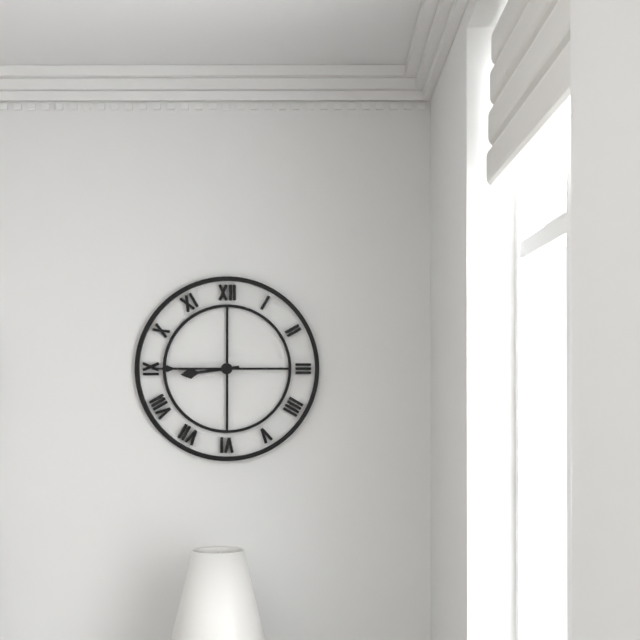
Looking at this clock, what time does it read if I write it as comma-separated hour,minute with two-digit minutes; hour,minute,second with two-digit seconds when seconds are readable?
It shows 8,45
